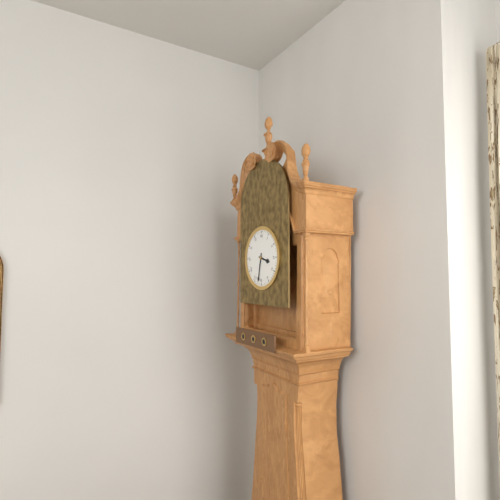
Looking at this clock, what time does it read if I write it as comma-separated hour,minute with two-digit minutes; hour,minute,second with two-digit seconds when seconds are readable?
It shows 3,32
